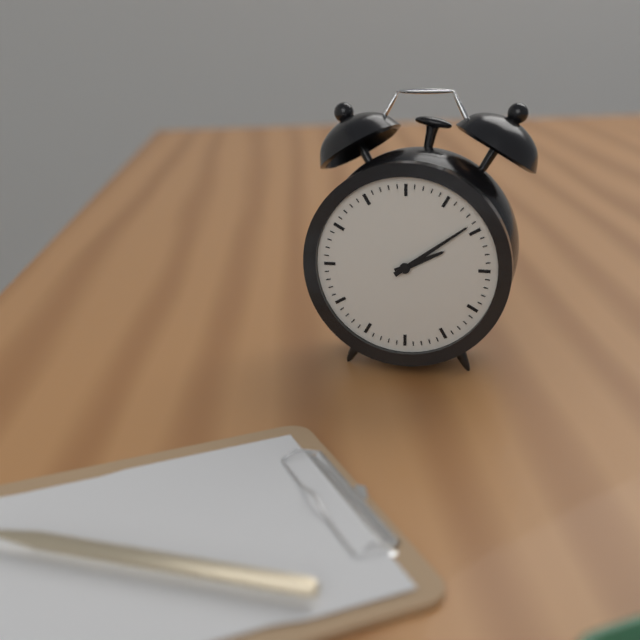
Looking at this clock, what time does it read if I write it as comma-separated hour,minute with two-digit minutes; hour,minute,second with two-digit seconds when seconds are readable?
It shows 2,09
